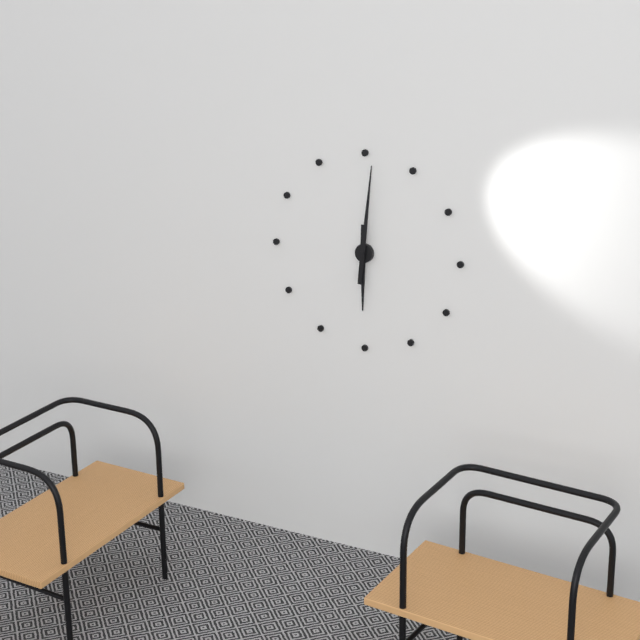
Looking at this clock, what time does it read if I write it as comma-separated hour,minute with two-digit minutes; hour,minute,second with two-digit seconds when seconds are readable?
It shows 6,01
